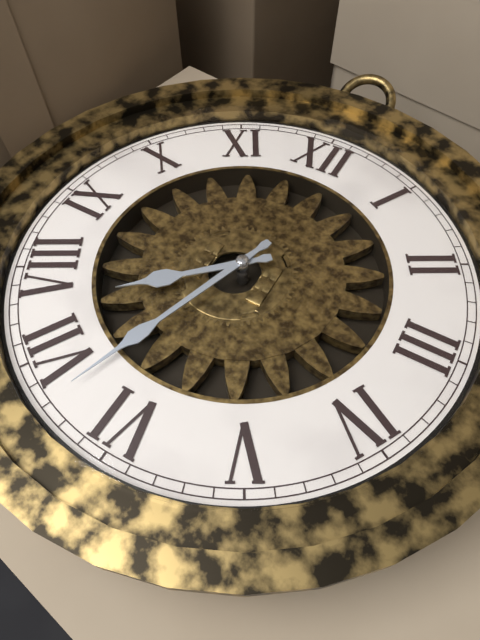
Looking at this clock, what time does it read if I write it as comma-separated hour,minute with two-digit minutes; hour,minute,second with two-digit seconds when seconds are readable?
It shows 7,33
